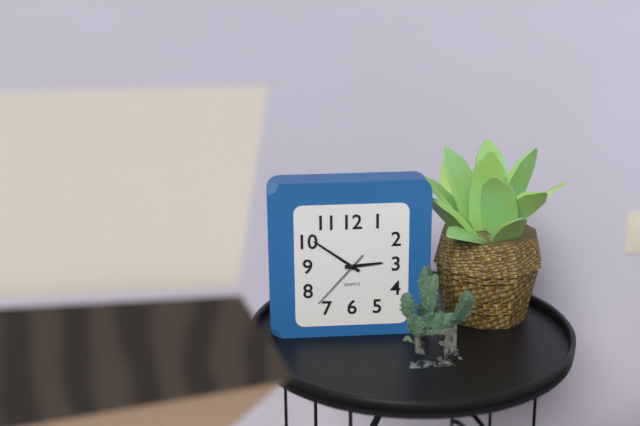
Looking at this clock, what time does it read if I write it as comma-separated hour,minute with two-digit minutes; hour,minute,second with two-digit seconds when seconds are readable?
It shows 2,51,37
